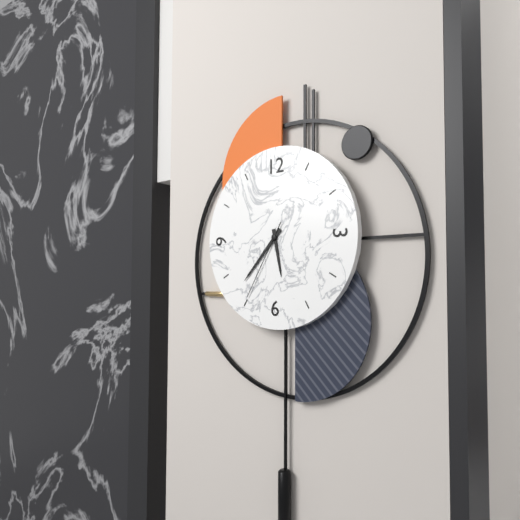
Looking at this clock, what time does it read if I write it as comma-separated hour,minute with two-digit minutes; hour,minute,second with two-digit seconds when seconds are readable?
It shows 5,37,35
